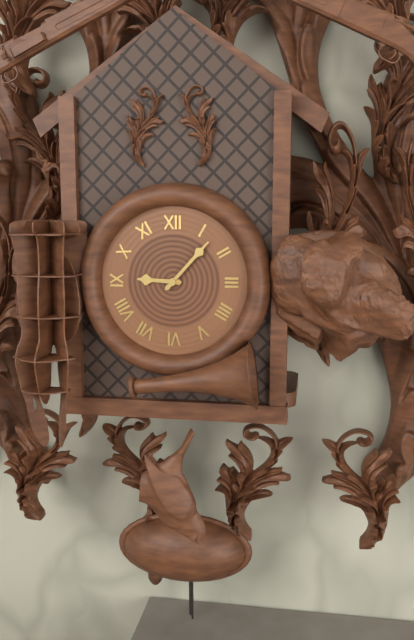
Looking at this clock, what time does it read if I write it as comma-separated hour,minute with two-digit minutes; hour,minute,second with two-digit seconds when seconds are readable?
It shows 9,07
